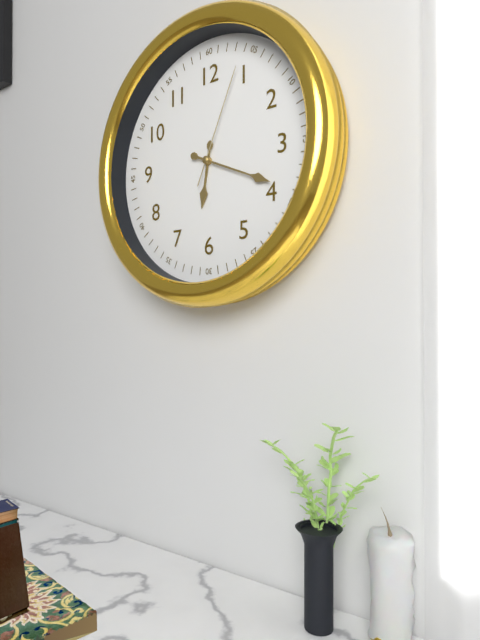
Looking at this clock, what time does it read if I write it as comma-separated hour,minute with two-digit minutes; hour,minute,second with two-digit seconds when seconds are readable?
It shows 6,19,04
